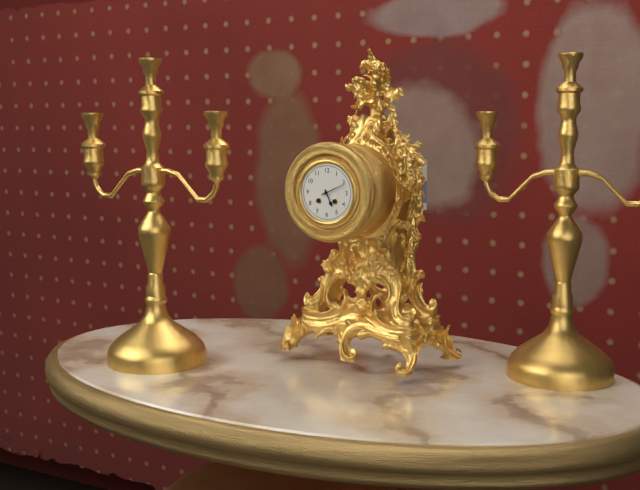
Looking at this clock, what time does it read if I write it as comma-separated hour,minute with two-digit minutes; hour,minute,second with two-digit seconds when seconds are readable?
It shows 5,11
